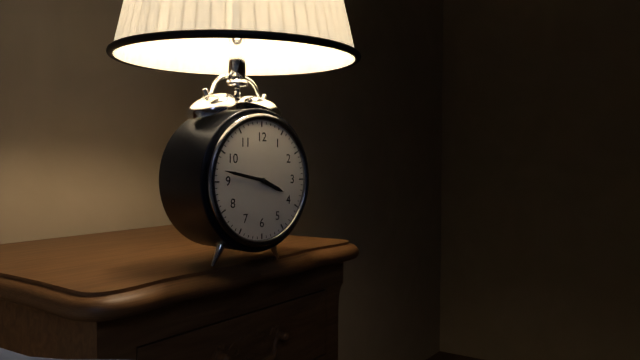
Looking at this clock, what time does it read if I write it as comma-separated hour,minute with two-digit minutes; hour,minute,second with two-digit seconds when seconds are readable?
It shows 3,47
